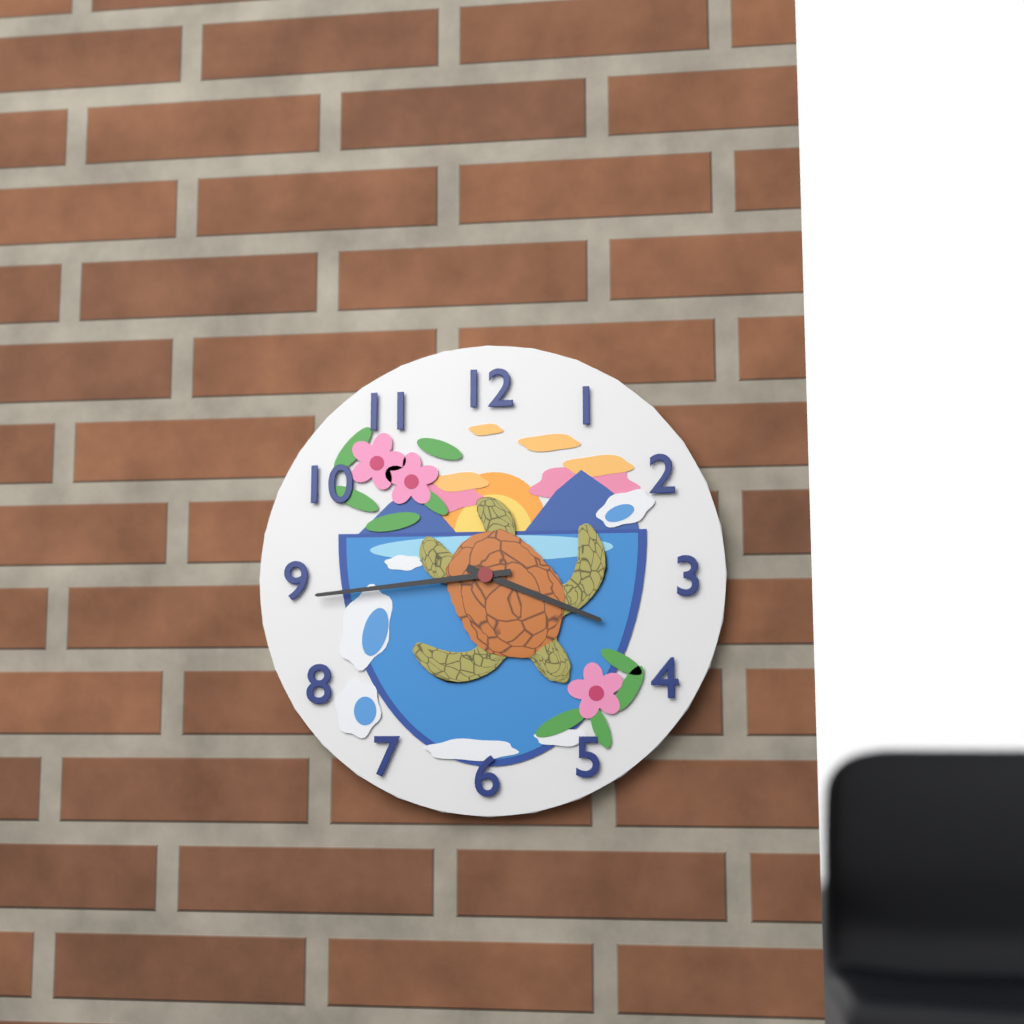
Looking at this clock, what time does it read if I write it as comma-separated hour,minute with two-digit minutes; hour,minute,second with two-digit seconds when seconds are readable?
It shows 3,44
